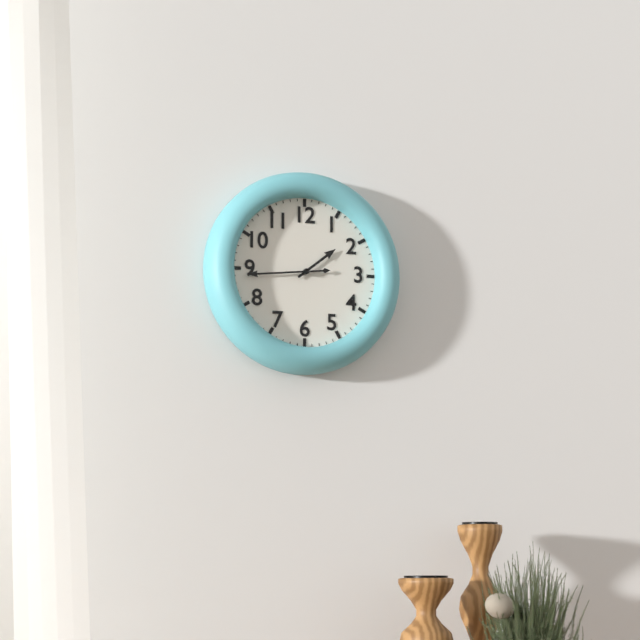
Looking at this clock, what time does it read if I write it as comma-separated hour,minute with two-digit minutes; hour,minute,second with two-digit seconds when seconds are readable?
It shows 1,44
